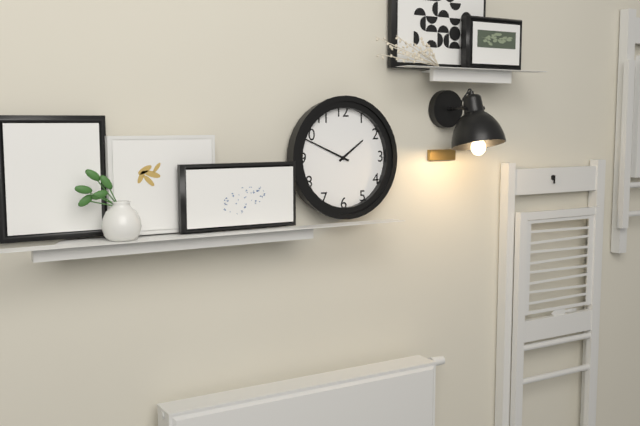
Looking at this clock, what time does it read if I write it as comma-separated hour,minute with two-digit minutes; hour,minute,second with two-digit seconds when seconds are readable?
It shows 1,49
